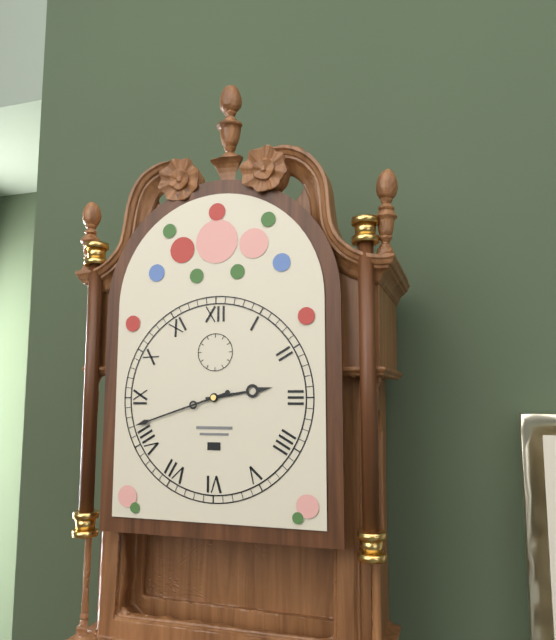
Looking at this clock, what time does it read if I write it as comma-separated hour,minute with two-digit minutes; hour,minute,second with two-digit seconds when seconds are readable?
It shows 2,42
